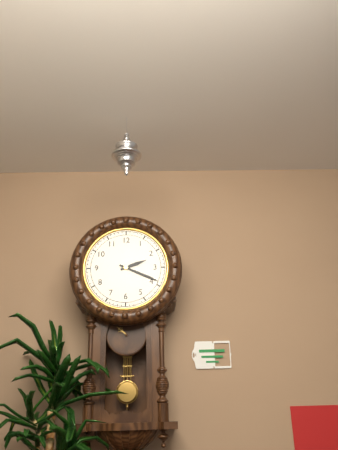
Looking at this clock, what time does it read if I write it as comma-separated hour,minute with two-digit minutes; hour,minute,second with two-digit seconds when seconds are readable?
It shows 2,19
